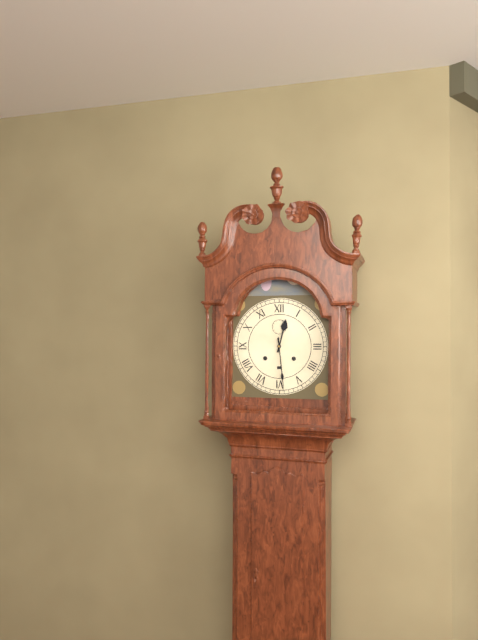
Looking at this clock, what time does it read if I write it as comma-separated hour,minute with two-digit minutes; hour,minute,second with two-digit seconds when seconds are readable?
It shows 12,29
